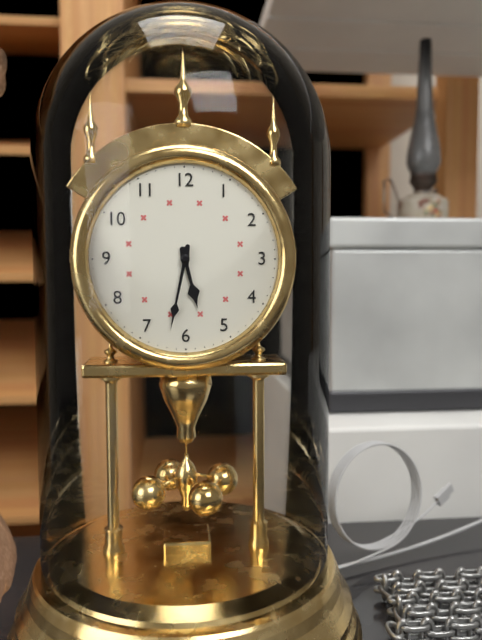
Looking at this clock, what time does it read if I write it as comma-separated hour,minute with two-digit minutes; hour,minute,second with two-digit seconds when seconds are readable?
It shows 5,32
